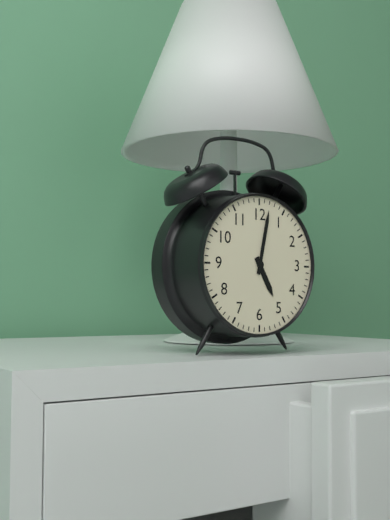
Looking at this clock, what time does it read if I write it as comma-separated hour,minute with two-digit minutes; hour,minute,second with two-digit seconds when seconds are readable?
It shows 5,02
